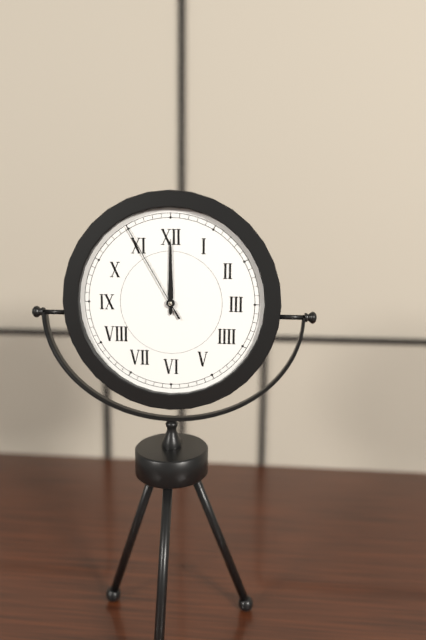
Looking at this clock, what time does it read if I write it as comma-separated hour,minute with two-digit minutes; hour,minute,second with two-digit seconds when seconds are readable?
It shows 12,00,55
